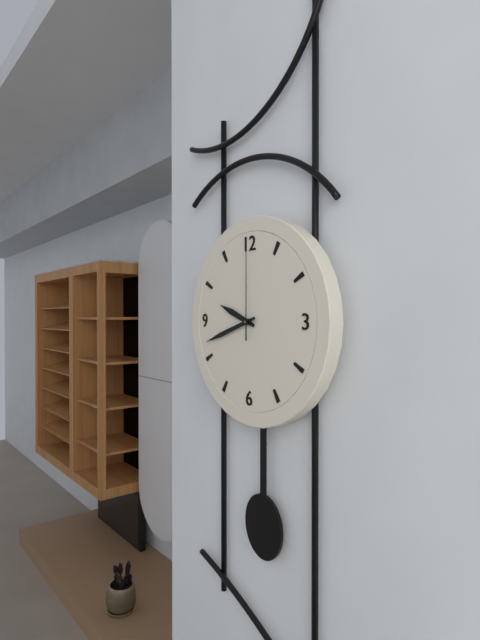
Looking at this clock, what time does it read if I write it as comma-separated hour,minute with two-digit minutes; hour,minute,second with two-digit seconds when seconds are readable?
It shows 9,42,00
